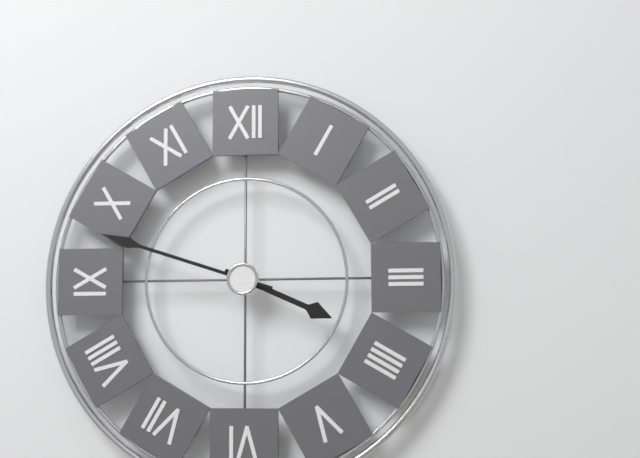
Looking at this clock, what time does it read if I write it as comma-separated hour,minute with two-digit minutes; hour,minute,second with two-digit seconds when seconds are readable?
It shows 3,48
